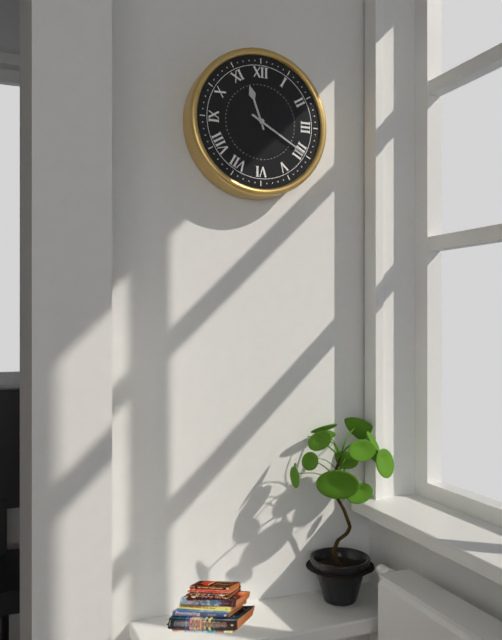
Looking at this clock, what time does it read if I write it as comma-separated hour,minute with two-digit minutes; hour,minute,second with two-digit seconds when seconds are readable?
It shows 11,20
